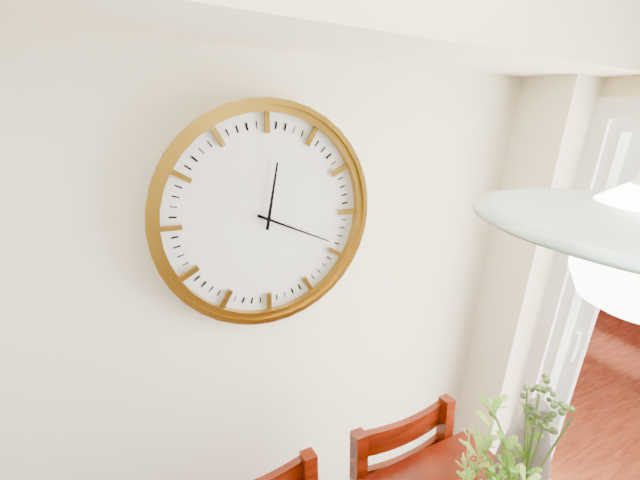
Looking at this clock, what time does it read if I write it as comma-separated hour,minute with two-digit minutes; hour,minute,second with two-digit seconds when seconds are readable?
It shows 12,19
